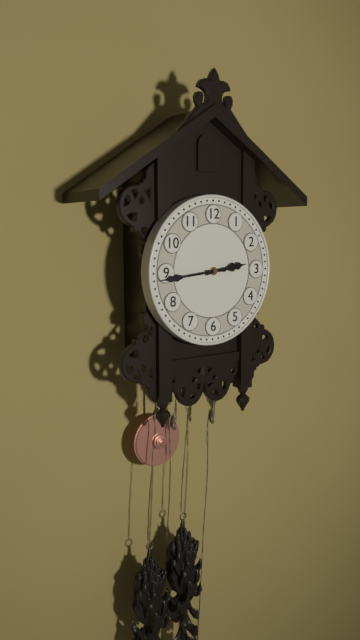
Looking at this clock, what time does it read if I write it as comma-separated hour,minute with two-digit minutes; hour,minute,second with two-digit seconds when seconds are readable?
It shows 2,44
